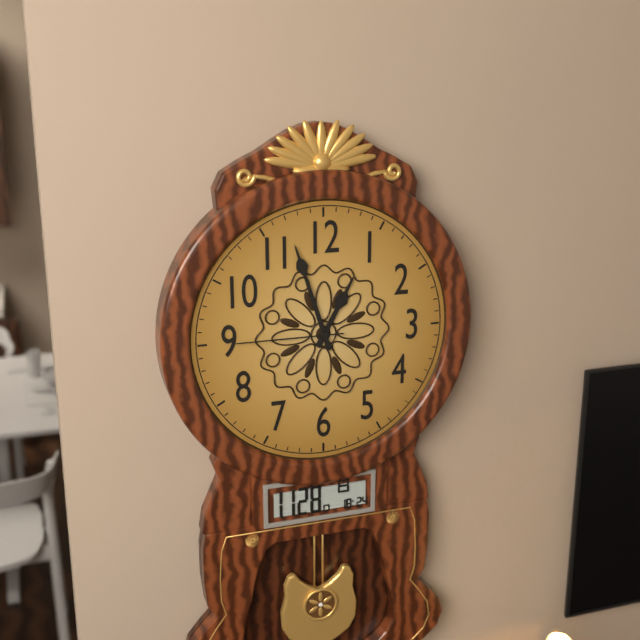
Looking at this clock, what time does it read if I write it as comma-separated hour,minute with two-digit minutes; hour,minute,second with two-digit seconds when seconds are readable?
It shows 12,57,45
